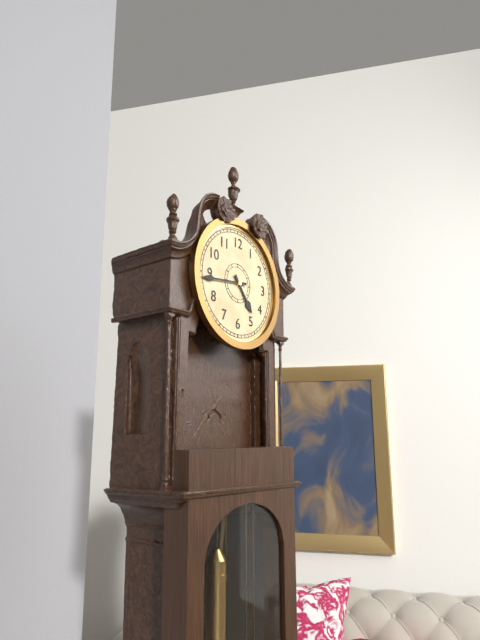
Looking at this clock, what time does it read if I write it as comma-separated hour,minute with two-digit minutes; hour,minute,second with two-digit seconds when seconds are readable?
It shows 4,44
